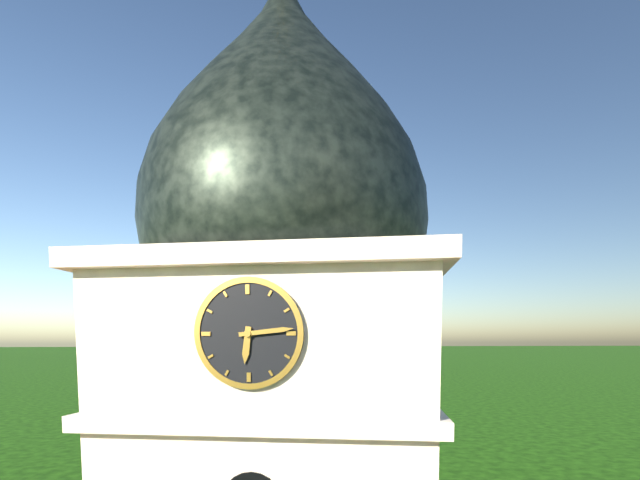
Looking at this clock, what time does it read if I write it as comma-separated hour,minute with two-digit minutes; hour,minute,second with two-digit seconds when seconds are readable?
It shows 6,14
